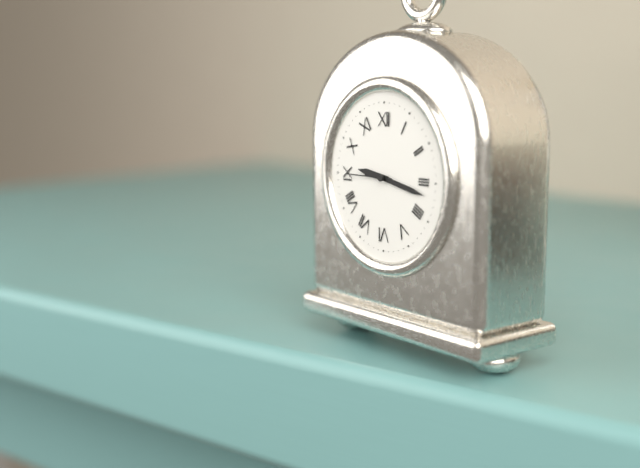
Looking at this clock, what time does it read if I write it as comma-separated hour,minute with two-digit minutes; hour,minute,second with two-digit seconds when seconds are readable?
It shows 9,17
